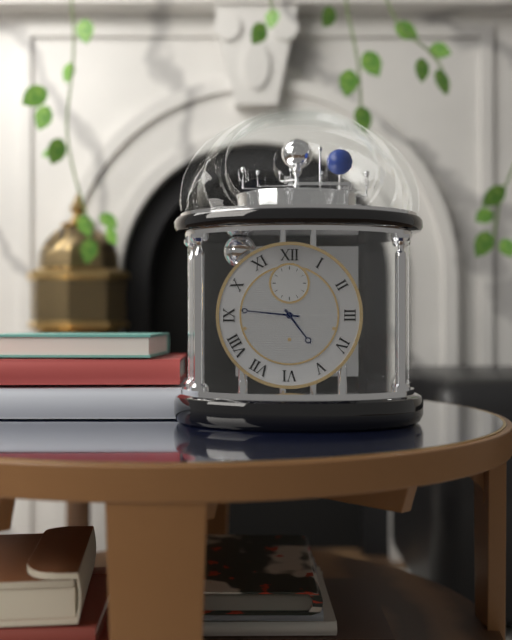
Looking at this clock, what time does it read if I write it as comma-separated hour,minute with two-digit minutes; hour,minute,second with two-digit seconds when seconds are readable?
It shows 4,46
